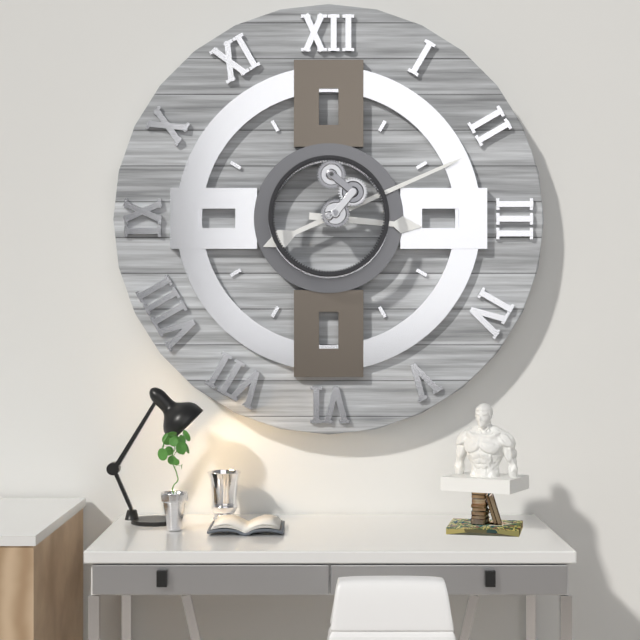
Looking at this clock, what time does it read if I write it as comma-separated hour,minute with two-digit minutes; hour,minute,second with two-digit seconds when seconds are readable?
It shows 3,11
